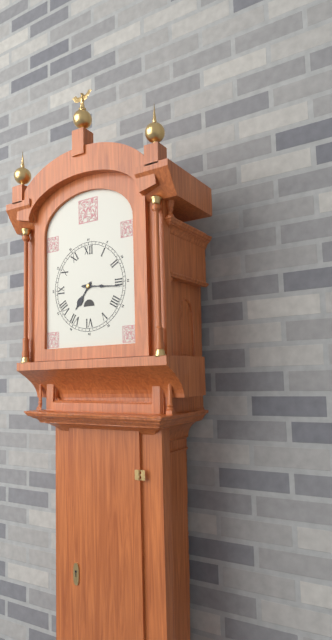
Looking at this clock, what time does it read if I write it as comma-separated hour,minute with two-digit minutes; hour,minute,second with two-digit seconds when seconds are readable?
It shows 7,16
